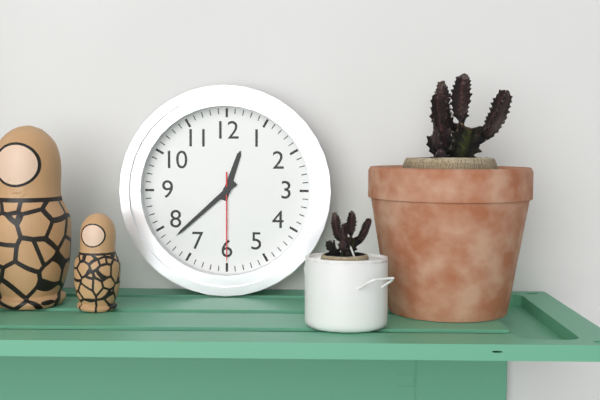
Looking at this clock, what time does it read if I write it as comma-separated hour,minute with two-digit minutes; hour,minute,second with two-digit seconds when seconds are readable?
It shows 12,38,30
